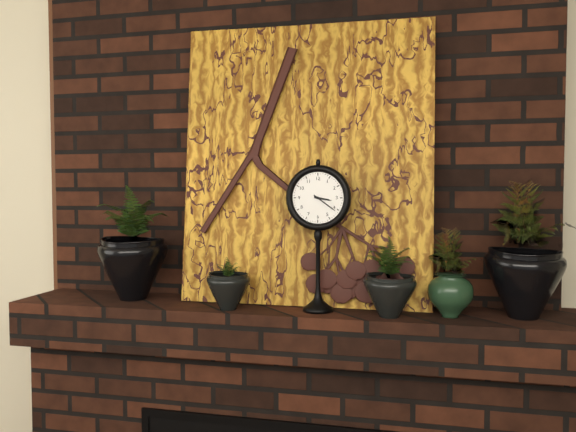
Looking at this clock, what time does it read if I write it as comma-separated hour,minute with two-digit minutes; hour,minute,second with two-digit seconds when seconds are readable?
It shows 3,21
